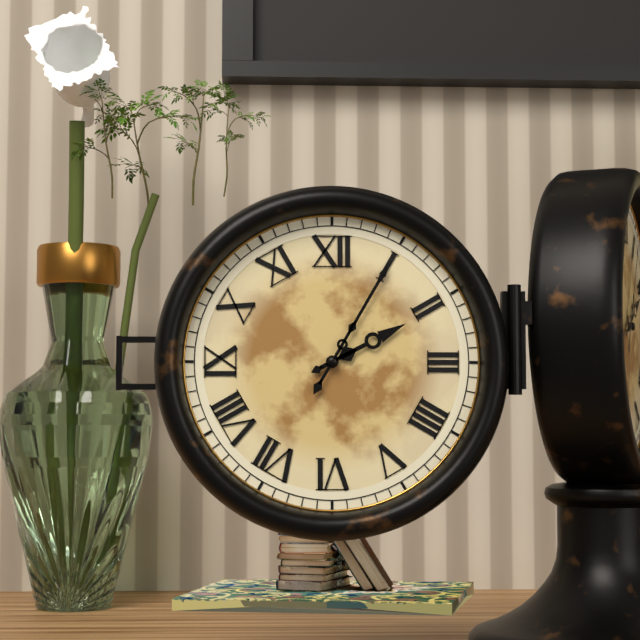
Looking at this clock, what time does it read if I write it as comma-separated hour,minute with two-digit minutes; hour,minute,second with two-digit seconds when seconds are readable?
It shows 2,05
